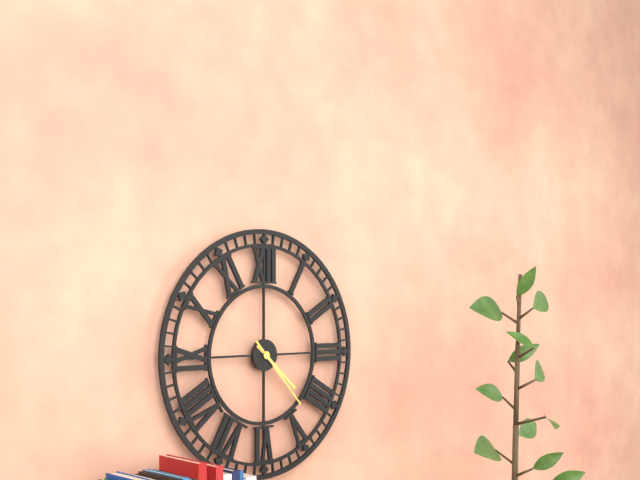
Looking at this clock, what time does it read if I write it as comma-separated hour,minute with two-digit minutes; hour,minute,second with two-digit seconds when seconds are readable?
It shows 4,23
